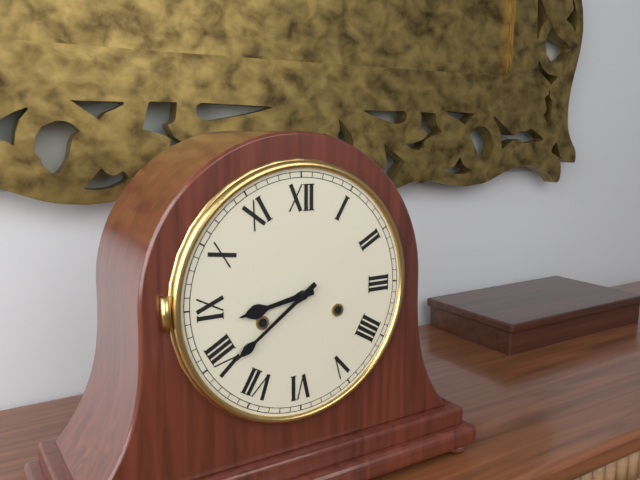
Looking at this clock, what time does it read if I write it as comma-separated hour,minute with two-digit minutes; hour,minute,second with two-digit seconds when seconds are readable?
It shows 8,39
